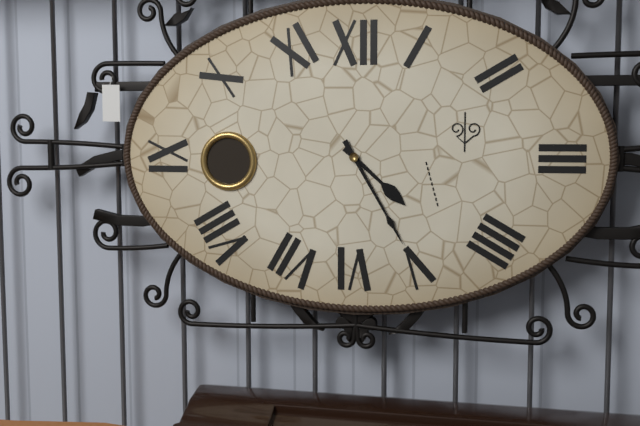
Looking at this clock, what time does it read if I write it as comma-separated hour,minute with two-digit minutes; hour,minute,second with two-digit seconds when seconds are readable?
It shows 4,25
